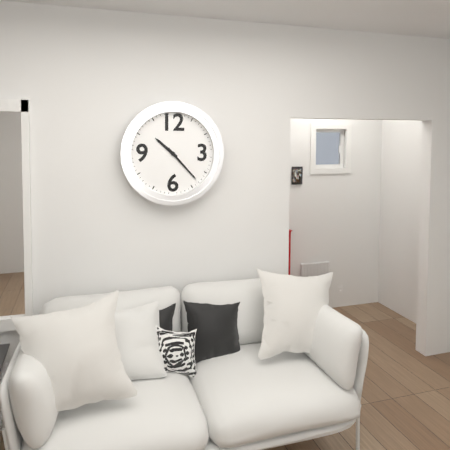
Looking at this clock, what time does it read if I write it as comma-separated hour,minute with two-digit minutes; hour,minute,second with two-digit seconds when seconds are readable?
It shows 10,23
